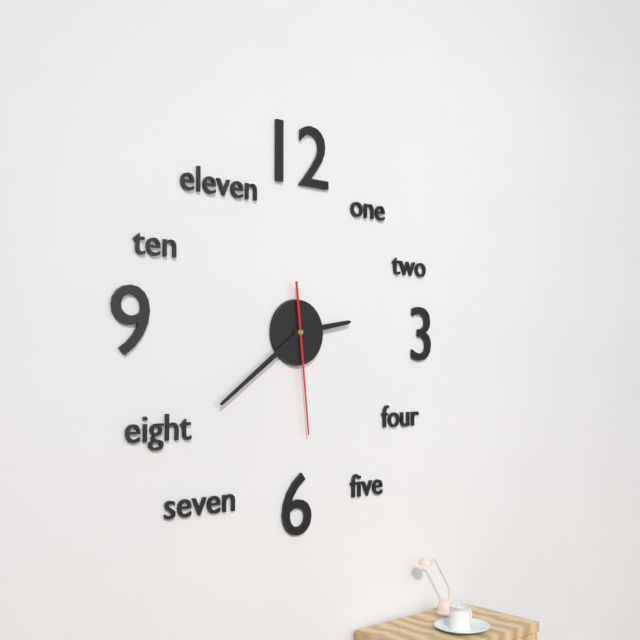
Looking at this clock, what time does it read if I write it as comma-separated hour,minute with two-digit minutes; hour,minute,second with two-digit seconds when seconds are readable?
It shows 2,39,29
